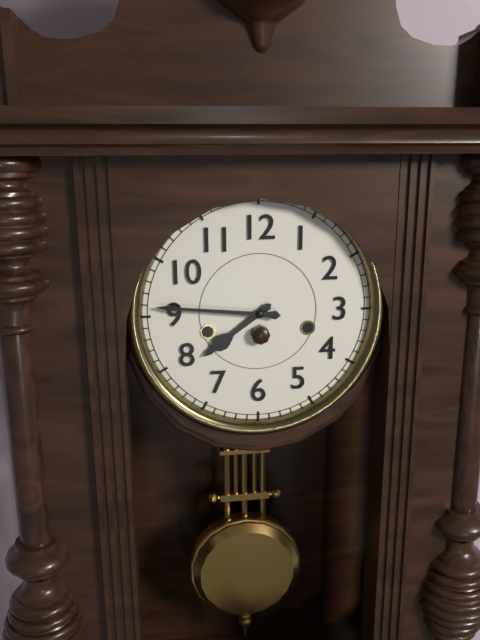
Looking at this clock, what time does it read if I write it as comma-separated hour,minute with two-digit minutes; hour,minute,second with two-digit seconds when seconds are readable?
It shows 7,46
